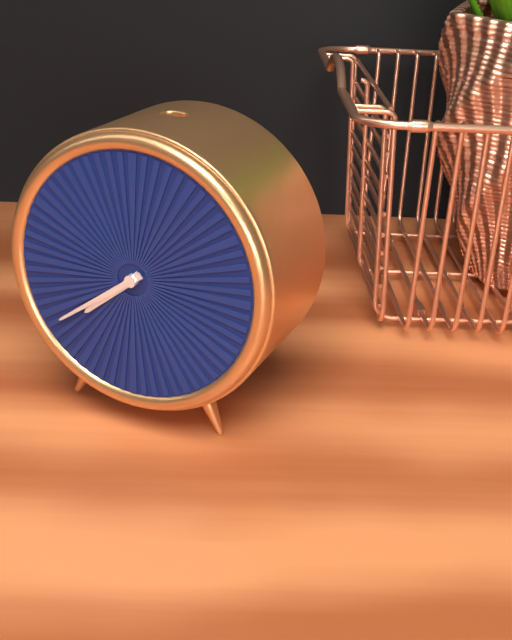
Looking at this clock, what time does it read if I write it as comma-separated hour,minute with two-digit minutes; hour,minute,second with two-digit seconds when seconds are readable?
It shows 7,39
